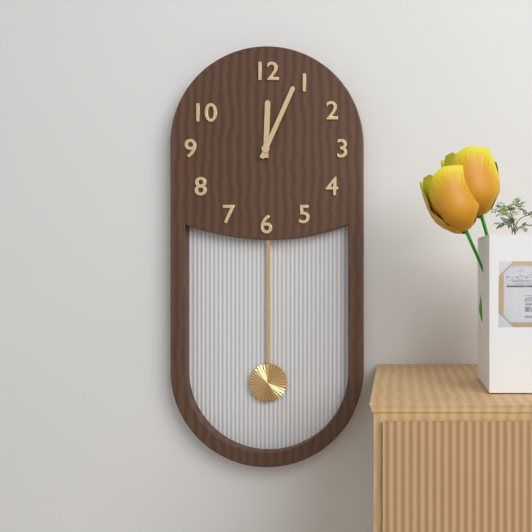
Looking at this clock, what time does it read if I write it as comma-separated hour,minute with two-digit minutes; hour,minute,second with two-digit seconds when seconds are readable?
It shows 12,04
